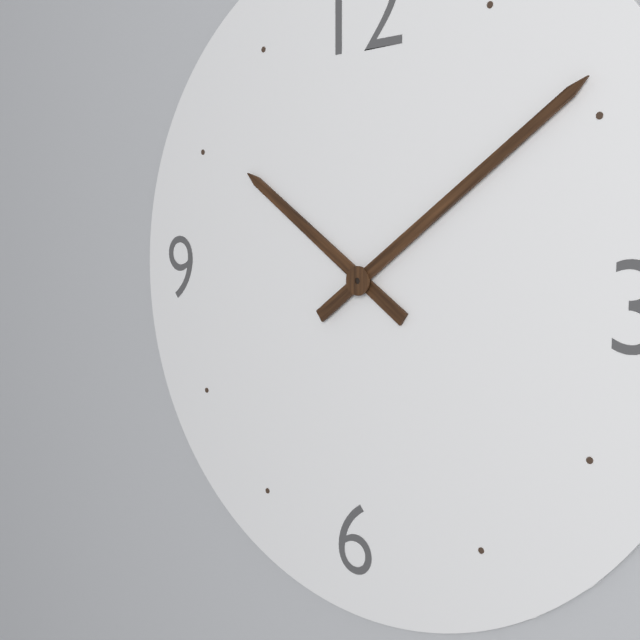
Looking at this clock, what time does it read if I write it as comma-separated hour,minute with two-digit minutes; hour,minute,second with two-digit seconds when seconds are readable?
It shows 10,09
